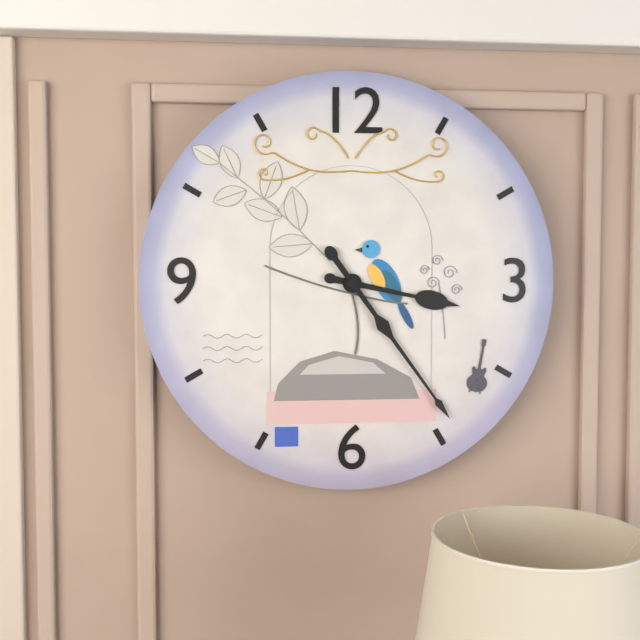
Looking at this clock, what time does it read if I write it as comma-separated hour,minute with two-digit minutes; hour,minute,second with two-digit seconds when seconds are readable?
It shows 3,24
